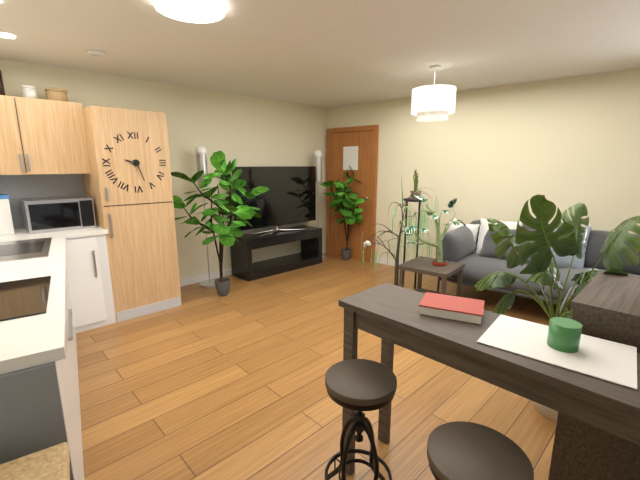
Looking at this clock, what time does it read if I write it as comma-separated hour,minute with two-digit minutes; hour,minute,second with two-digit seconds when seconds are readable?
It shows 9,27
